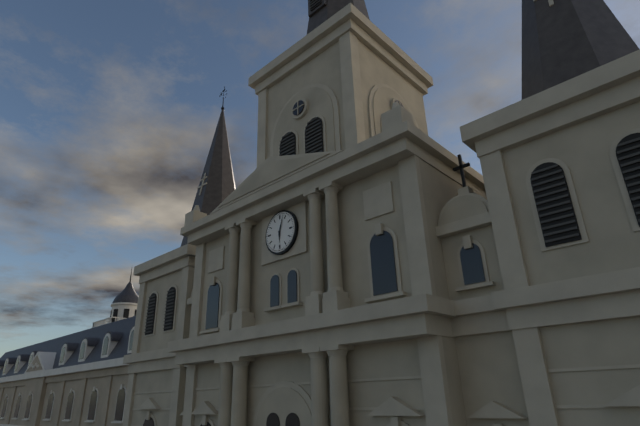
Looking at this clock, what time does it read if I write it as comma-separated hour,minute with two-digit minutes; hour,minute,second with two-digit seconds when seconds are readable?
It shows 6,03
